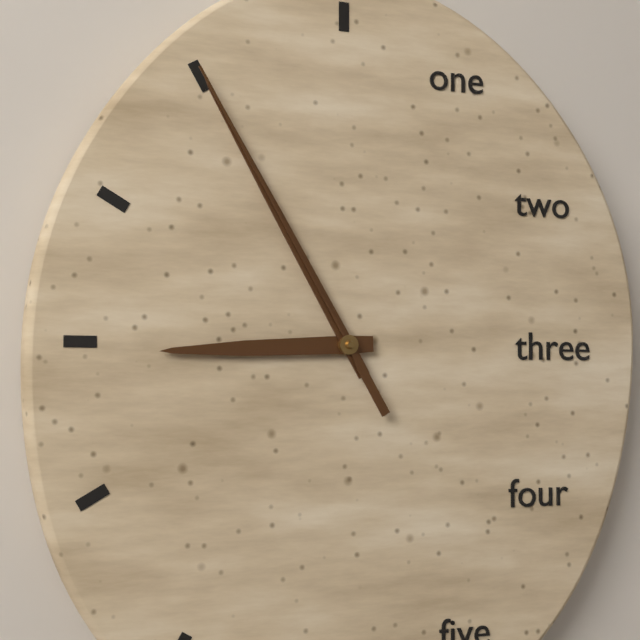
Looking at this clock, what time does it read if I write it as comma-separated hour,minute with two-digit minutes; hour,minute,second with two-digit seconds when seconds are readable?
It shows 8,55,55
